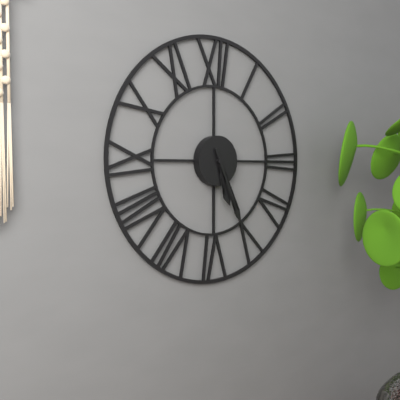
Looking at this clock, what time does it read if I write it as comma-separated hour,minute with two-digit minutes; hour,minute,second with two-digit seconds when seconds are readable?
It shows 5,26
